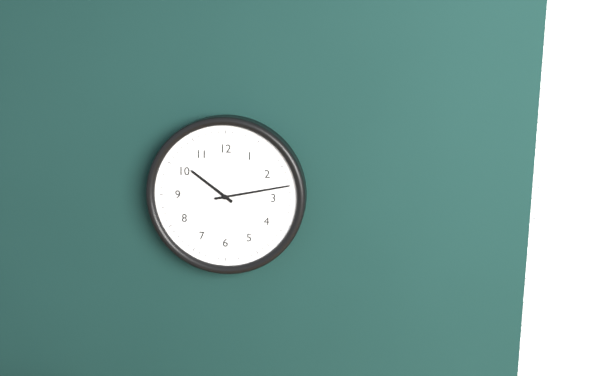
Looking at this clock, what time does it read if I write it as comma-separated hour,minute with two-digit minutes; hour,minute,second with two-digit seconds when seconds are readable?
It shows 10,13
